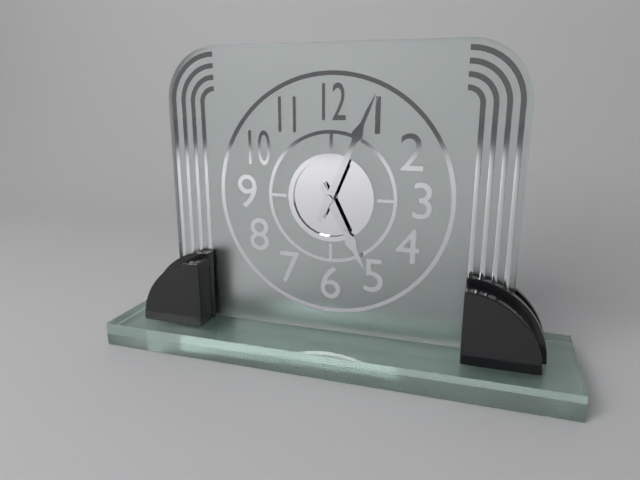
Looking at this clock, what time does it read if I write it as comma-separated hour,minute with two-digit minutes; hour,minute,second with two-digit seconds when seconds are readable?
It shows 5,04
